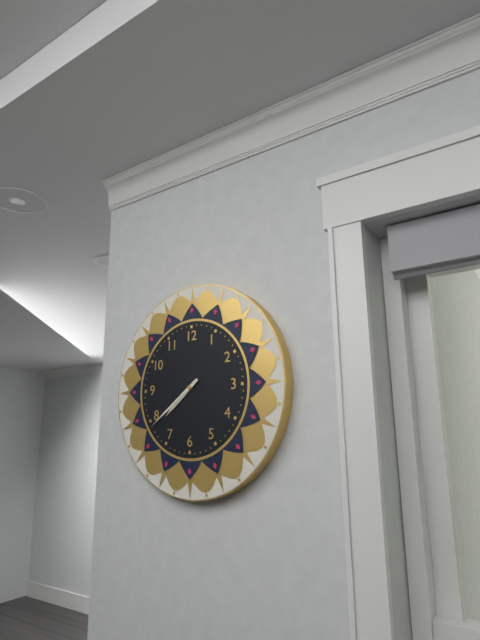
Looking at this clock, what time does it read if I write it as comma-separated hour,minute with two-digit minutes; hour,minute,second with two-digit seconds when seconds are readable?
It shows 7,39
